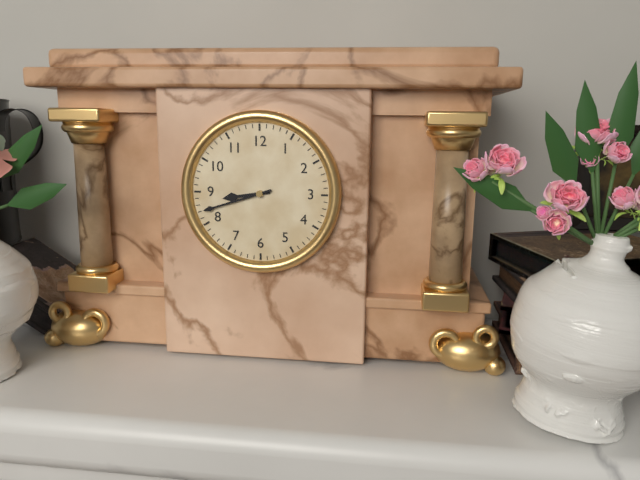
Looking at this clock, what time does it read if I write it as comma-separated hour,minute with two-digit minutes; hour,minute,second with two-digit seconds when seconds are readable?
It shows 8,42
